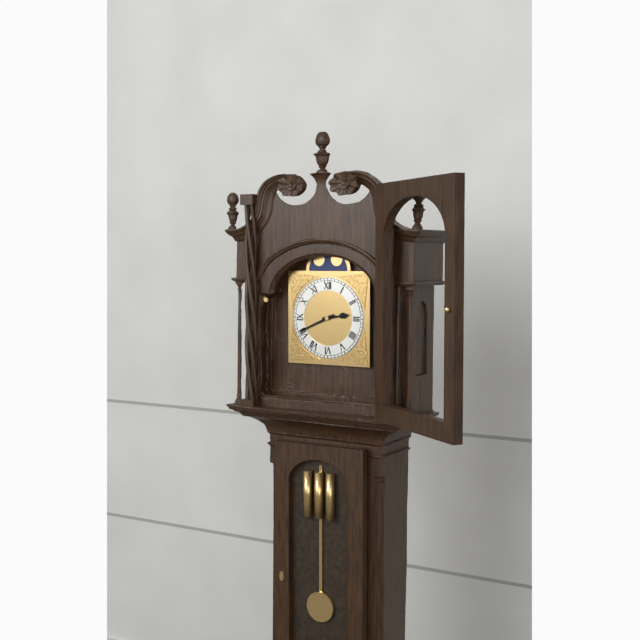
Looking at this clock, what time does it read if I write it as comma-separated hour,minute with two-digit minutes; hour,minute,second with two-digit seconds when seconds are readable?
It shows 2,41
